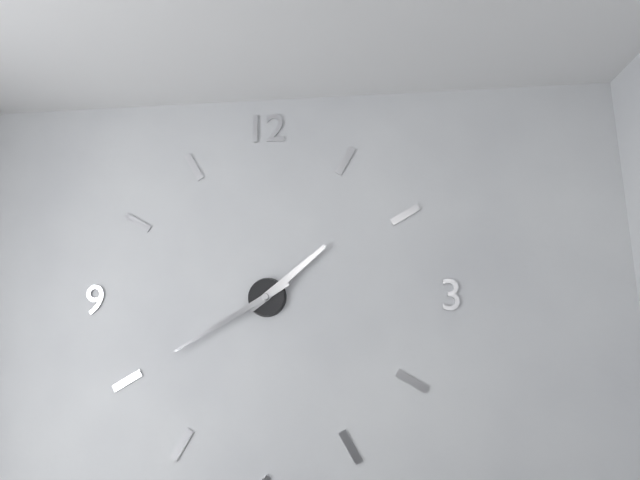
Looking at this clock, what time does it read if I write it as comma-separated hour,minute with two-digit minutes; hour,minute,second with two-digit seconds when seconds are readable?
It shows 1,40
